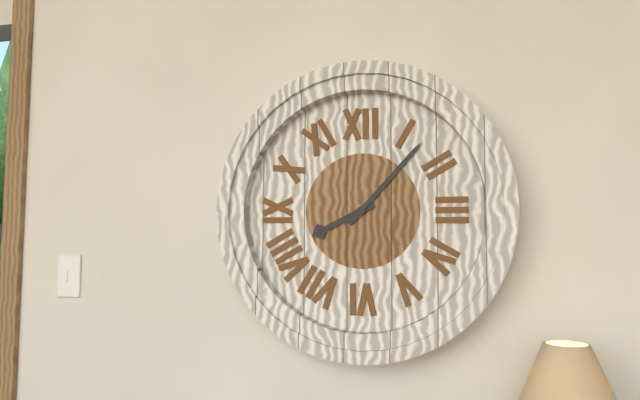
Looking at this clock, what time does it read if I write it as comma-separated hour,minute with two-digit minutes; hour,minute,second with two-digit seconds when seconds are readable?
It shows 8,07
